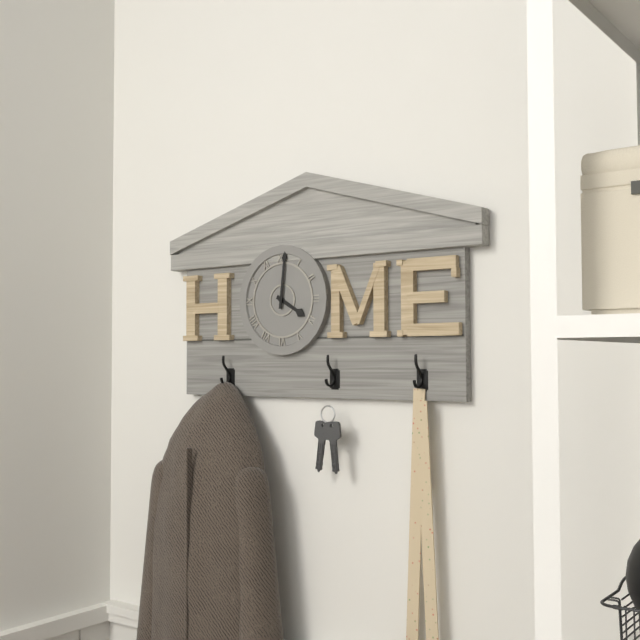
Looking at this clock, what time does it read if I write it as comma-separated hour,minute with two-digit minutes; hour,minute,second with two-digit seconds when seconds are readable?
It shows 4,01
